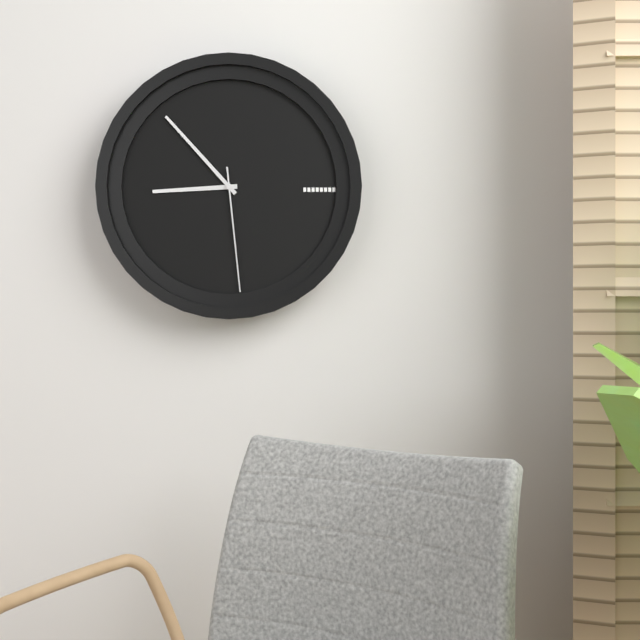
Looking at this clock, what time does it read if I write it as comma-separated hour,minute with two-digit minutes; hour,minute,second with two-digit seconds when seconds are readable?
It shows 8,53,29
